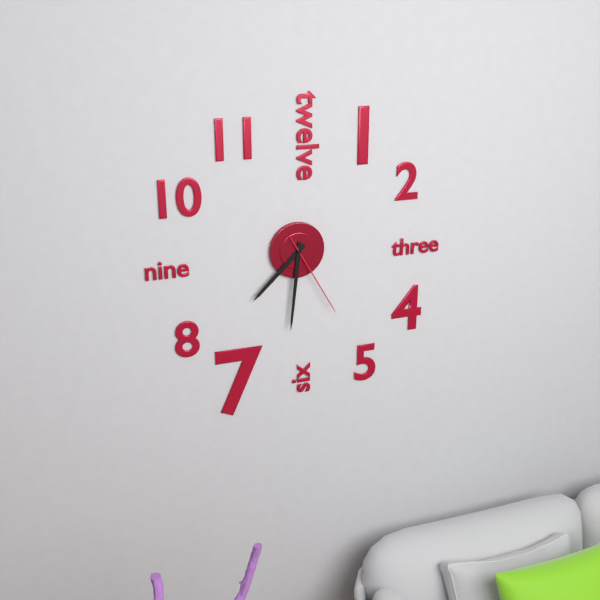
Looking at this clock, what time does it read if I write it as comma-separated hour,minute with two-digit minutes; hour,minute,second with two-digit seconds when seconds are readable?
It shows 7,31,25
